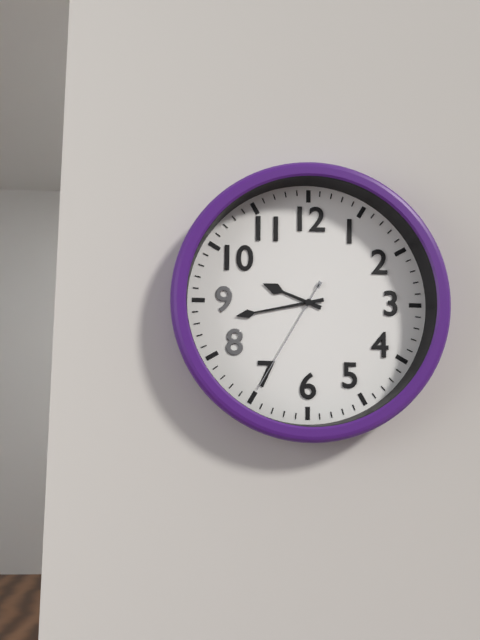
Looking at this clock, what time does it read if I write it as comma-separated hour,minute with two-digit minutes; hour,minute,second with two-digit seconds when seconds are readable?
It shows 9,43,35
